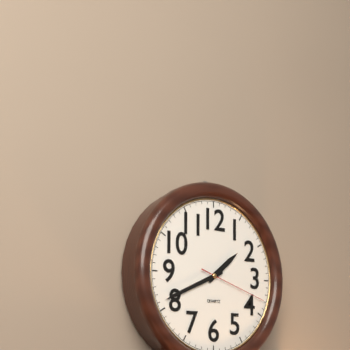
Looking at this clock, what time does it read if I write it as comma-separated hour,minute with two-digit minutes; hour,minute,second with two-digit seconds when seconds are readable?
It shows 1,41,18
